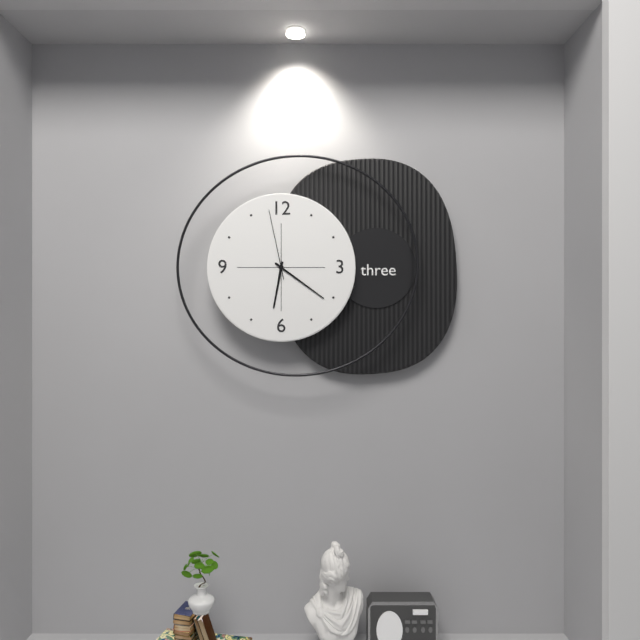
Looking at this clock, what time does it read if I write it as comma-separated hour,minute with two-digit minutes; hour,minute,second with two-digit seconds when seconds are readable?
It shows 6,21,58
